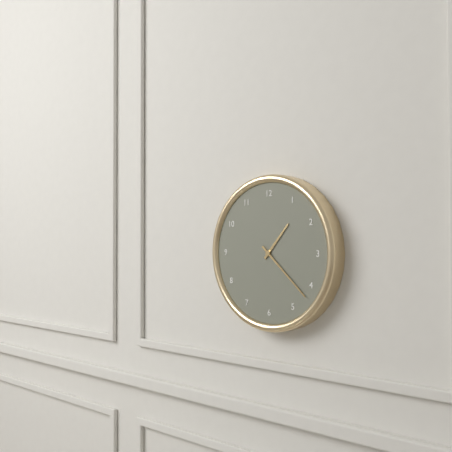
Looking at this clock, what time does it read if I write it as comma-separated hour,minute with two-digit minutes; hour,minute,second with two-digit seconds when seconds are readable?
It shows 1,22
